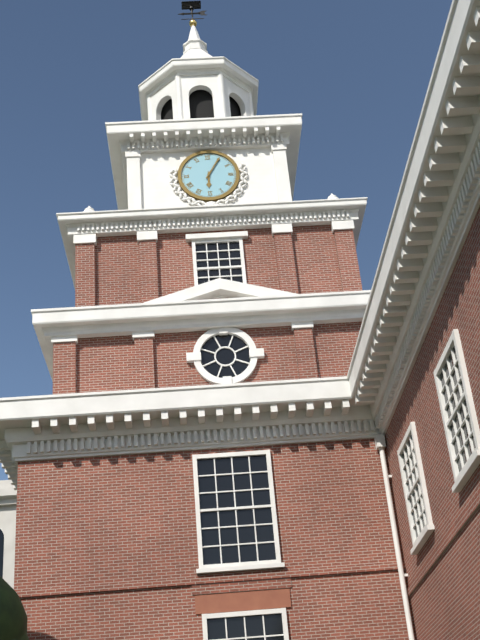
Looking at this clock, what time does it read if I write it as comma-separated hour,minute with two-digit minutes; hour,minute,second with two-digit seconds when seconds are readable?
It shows 6,05
